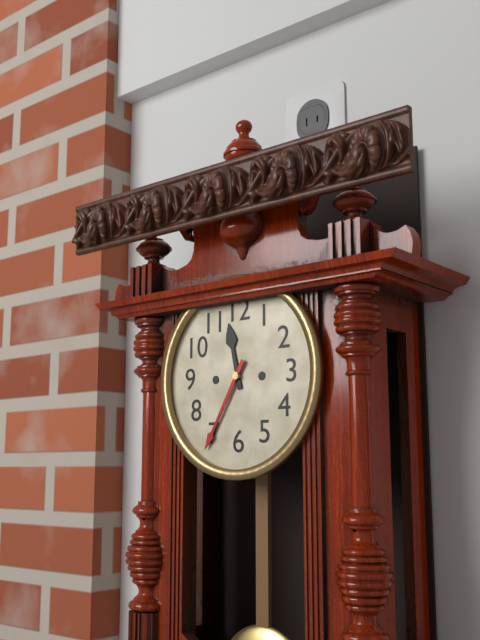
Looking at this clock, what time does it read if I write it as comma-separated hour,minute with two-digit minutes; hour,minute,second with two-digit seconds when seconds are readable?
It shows 11,35
